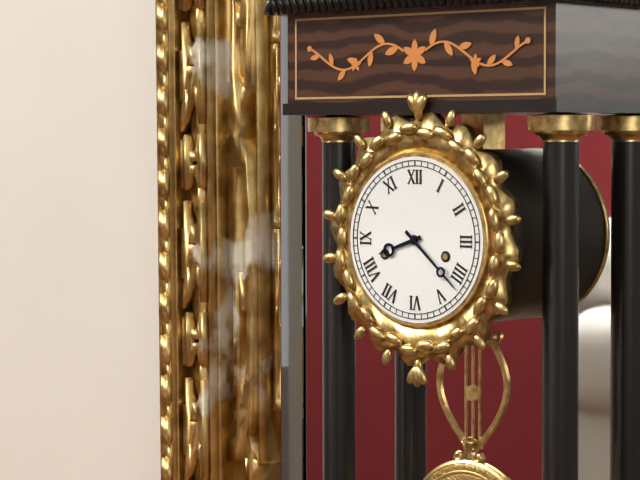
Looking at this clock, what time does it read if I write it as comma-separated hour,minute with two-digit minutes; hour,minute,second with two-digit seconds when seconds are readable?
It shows 8,22
